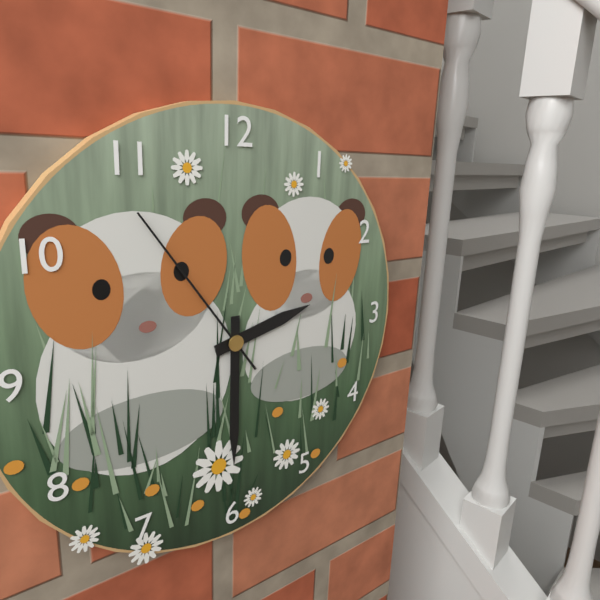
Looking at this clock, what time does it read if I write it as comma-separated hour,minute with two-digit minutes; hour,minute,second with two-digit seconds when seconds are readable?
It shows 2,30,54
